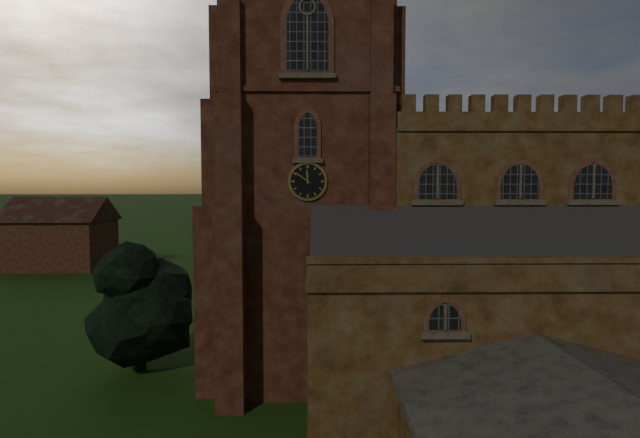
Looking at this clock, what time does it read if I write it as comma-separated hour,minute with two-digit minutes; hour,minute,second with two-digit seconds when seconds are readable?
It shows 11,51
